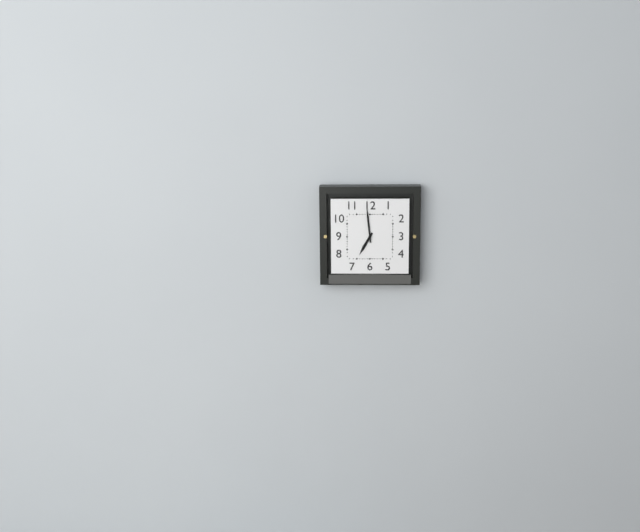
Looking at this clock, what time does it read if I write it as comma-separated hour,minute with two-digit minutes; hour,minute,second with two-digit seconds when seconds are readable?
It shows 6,59
